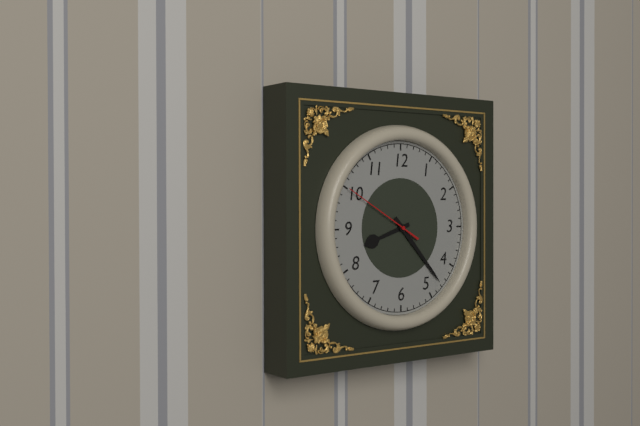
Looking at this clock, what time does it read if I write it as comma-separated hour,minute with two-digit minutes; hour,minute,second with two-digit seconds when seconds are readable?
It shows 8,23,50
